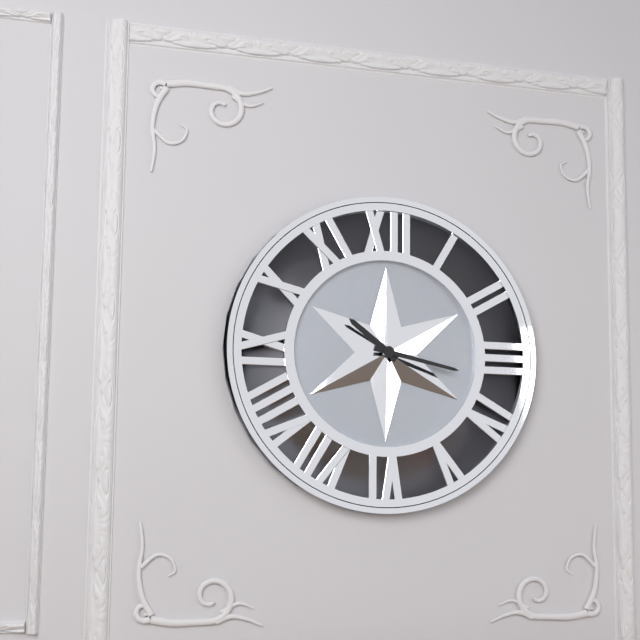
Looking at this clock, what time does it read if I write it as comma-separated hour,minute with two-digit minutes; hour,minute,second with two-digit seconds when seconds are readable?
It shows 10,17
